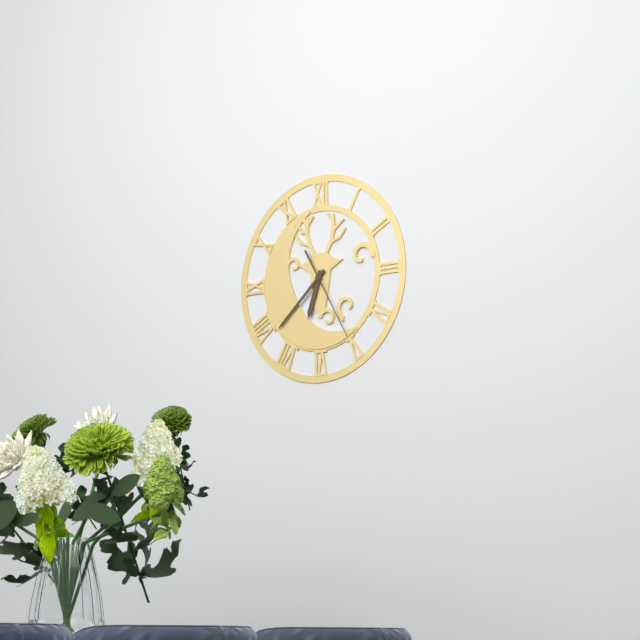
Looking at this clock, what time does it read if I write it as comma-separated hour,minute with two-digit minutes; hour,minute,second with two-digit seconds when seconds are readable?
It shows 6,38,25
